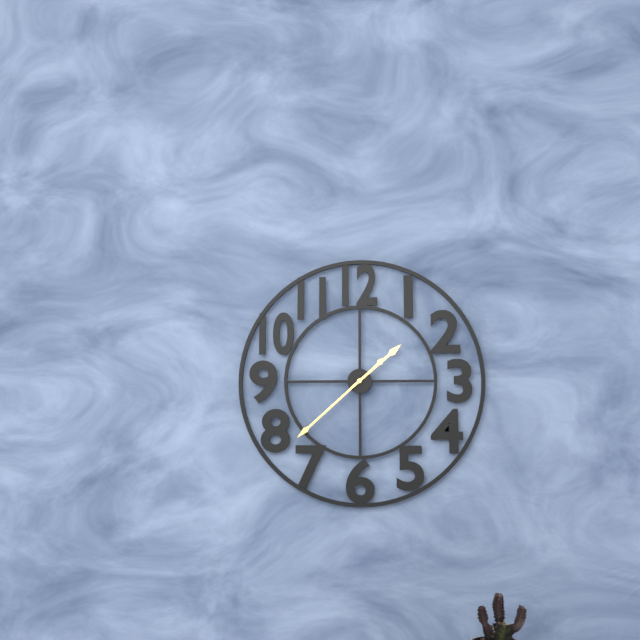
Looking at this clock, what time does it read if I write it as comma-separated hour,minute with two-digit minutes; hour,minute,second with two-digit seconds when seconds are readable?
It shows 1,38
